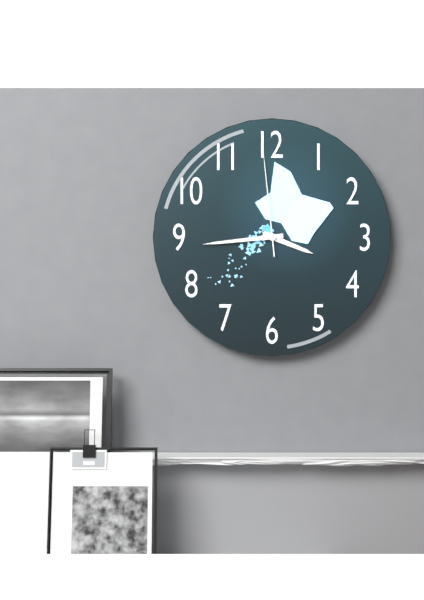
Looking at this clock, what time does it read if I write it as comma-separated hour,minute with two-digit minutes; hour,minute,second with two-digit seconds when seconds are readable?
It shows 3,44,59
